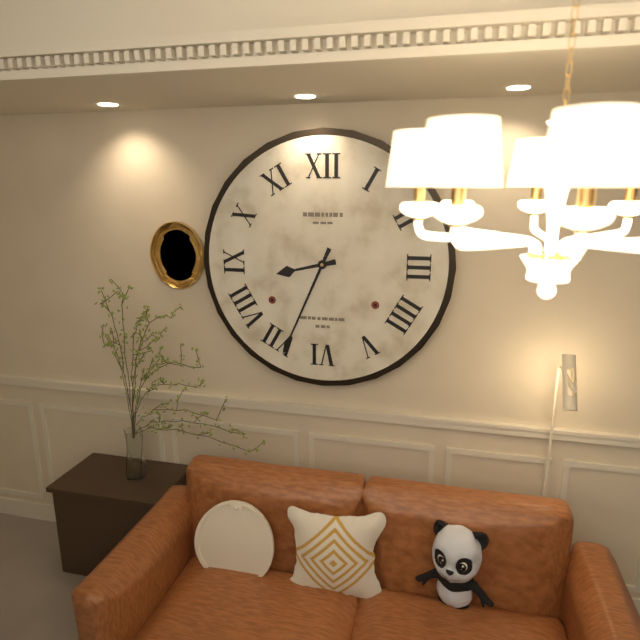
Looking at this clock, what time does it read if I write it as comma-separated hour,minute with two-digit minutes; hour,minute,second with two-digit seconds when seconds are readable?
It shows 8,34
